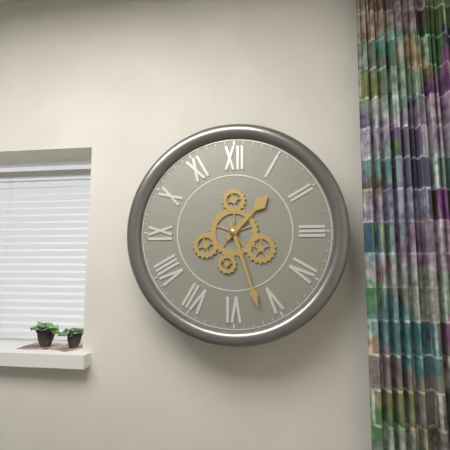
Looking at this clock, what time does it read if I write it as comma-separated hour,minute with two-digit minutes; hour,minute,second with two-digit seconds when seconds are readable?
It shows 1,27
